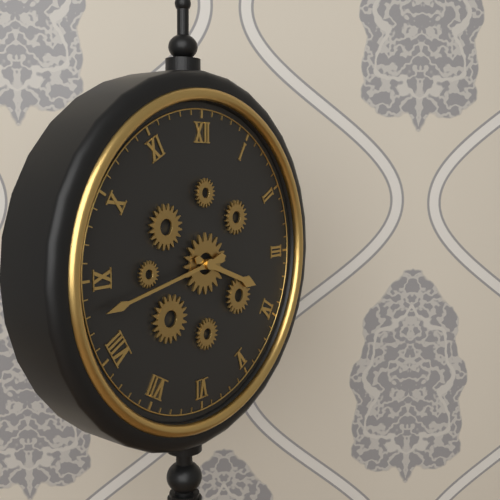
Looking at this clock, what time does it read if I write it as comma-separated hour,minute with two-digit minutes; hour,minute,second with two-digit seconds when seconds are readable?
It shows 3,43
